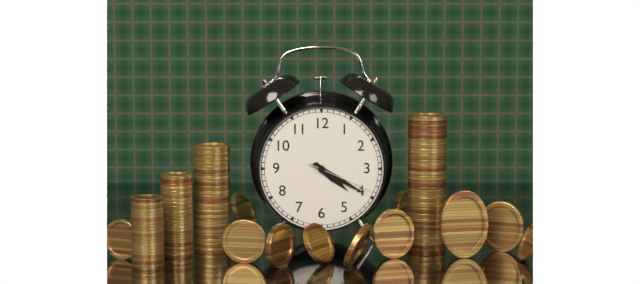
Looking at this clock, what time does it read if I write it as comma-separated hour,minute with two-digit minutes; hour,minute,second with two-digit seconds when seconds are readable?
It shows 4,20,19
